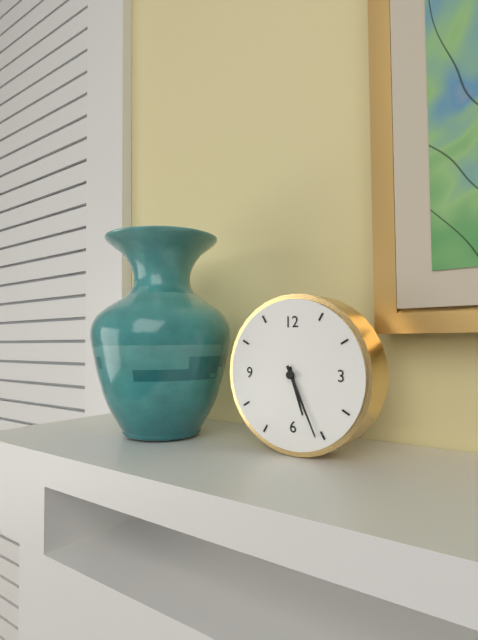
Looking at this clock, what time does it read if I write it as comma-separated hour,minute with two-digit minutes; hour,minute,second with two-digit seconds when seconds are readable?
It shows 5,26
